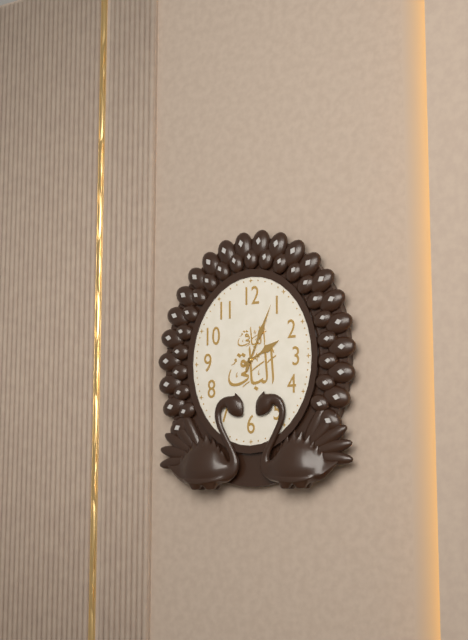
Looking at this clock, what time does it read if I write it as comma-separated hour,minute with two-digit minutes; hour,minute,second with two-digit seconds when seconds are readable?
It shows 2,04
